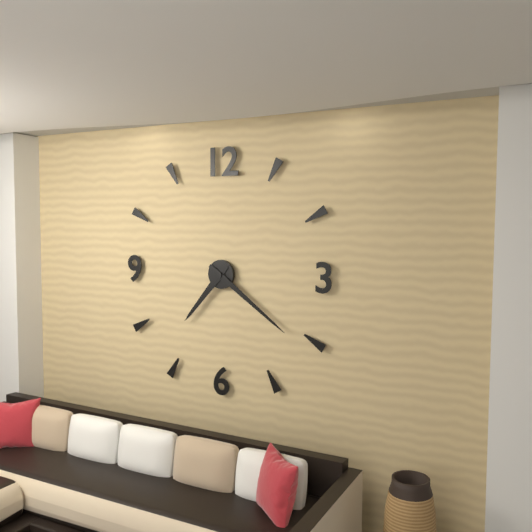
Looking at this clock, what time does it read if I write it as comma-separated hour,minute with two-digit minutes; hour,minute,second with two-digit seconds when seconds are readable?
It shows 7,21
